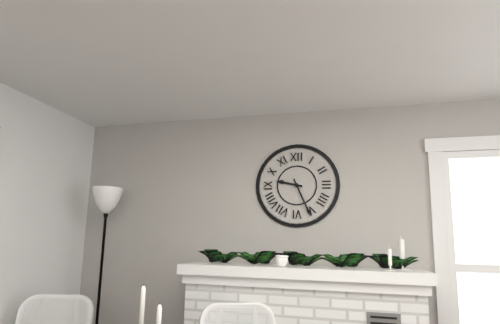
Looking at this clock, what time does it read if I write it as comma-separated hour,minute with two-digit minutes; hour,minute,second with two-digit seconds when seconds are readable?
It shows 9,26
